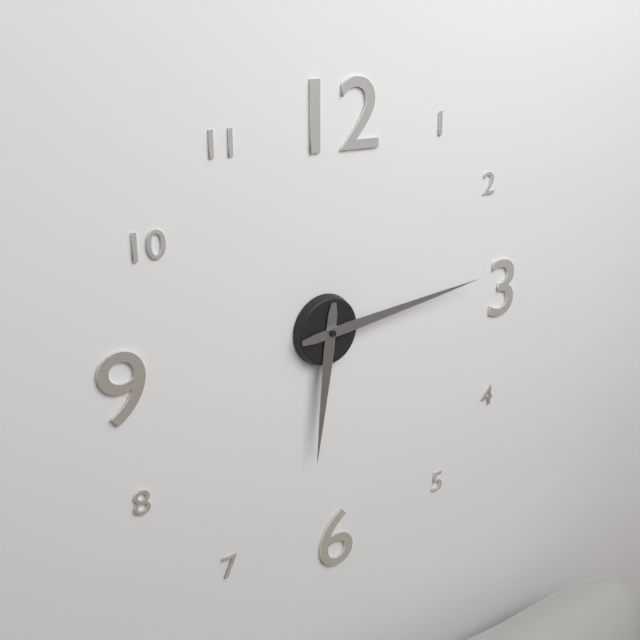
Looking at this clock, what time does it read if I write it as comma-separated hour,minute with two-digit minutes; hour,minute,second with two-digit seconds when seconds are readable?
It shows 6,14
